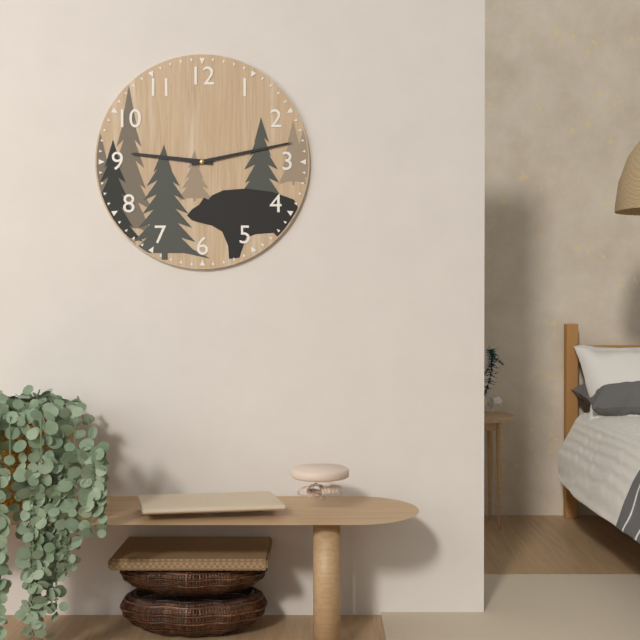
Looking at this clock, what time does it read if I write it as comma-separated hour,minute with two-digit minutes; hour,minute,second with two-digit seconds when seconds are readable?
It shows 9,13
